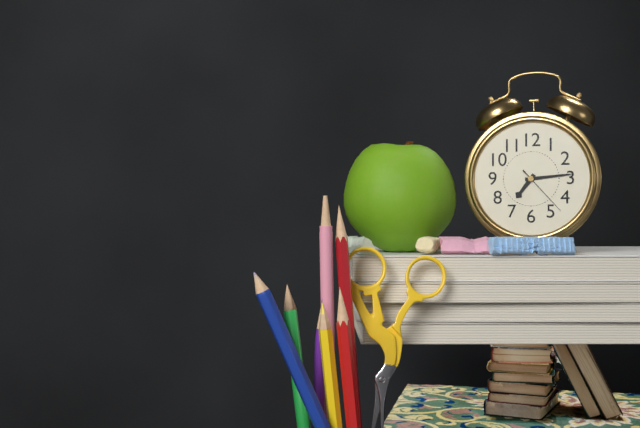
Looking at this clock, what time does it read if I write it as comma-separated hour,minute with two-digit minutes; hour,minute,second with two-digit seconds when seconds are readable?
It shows 7,14,23
